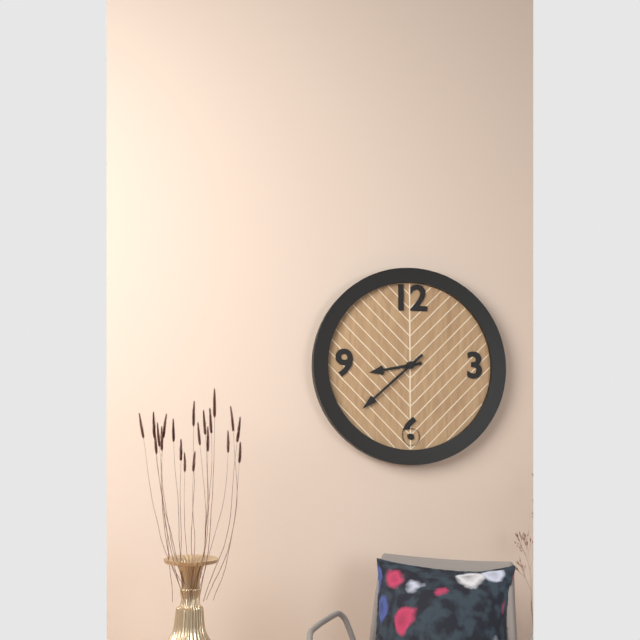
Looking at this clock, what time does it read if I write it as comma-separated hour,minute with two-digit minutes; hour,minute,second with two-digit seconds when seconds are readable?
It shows 8,38
